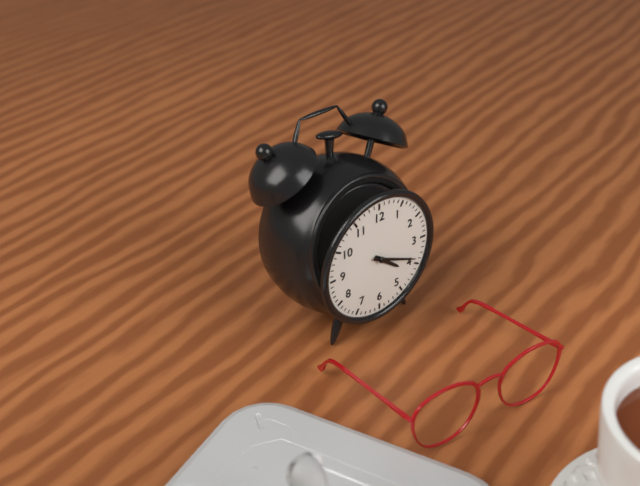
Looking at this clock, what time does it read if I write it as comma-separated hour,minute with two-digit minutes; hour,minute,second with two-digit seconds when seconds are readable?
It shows 4,19
